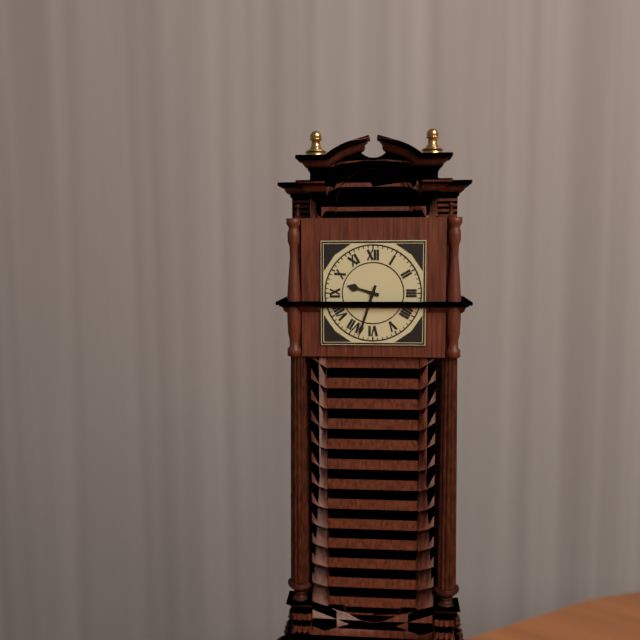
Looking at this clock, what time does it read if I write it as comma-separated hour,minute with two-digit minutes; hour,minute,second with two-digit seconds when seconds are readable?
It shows 9,33
